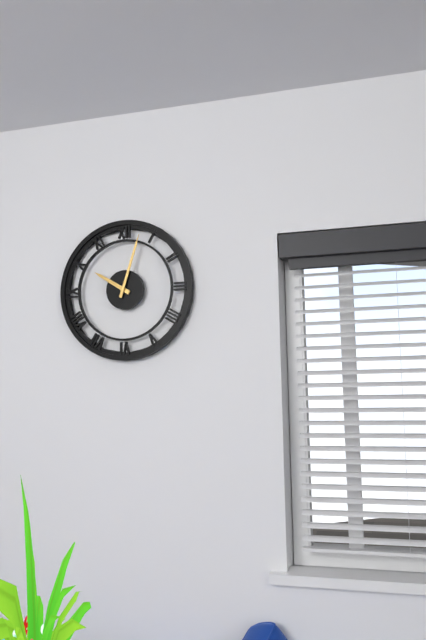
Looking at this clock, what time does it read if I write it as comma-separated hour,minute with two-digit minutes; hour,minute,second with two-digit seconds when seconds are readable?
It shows 10,03
